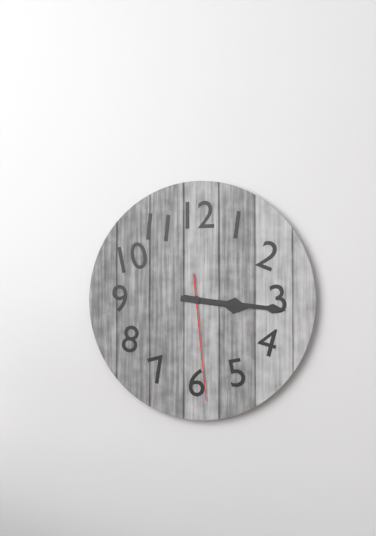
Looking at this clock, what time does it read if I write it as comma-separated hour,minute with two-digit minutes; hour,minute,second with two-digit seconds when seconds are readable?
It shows 3,16,29
